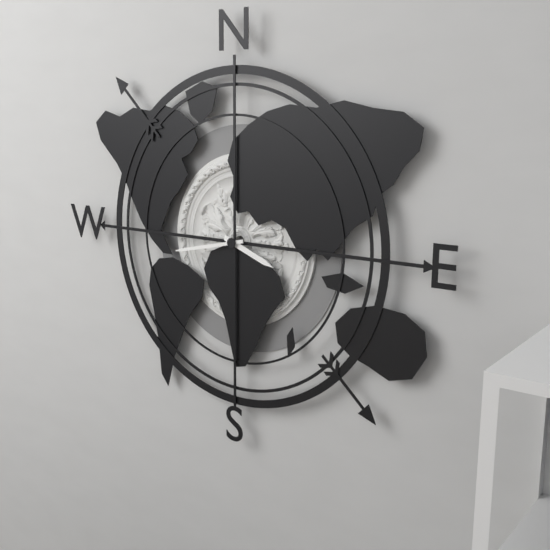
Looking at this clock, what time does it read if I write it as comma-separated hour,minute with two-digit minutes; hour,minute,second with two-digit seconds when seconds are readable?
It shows 3,43
